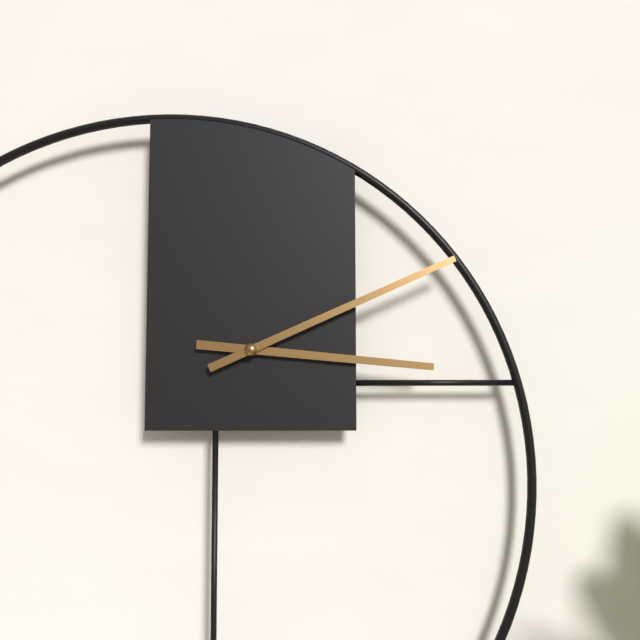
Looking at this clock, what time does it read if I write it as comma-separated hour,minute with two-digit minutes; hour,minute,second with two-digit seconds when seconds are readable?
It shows 3,11
